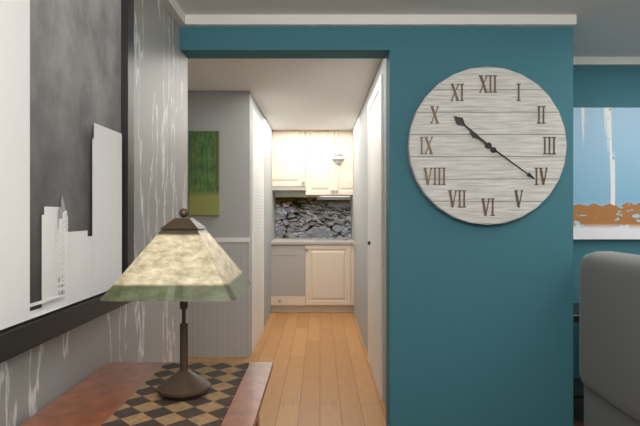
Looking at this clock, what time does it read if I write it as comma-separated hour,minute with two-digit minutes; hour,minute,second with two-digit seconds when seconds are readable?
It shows 10,21
